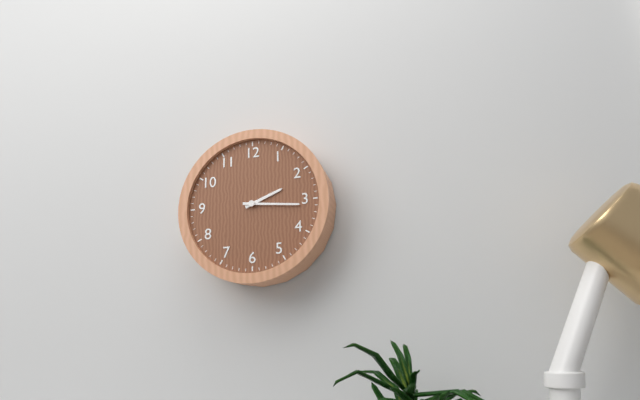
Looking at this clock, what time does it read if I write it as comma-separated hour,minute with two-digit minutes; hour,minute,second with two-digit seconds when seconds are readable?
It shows 2,16
